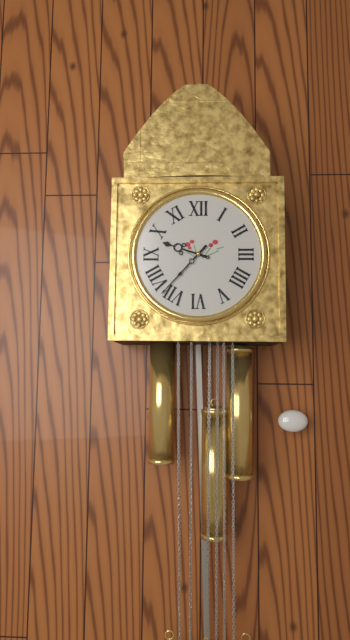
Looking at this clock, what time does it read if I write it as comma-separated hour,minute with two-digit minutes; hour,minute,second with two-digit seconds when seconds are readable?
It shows 9,37
